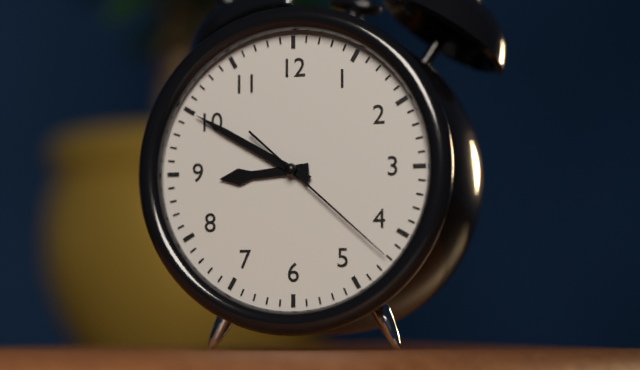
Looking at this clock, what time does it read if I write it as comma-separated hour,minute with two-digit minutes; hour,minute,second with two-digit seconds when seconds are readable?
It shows 8,50,22
